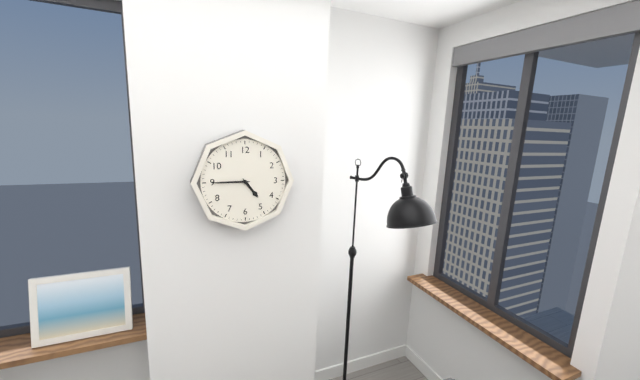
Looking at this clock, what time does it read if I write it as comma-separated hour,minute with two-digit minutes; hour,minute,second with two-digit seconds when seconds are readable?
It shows 4,45
